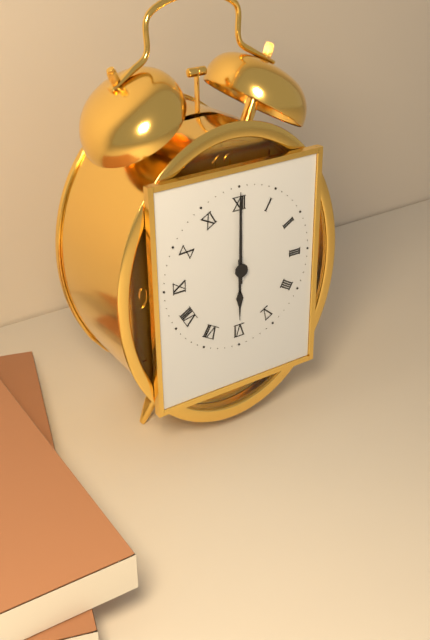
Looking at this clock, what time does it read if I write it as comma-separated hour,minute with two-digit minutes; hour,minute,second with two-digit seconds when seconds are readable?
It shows 6,00
